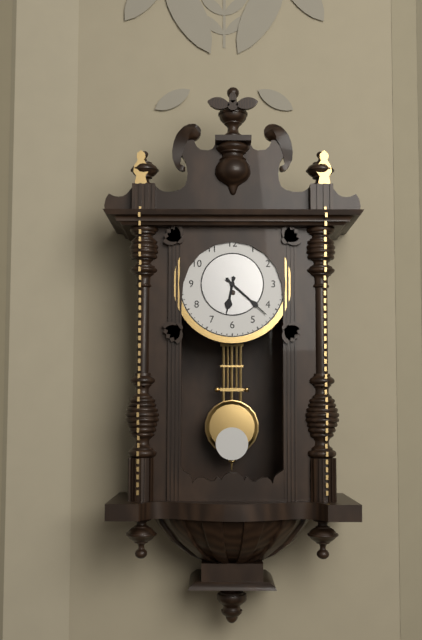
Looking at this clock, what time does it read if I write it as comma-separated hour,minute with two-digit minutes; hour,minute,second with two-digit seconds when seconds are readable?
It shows 6,22
